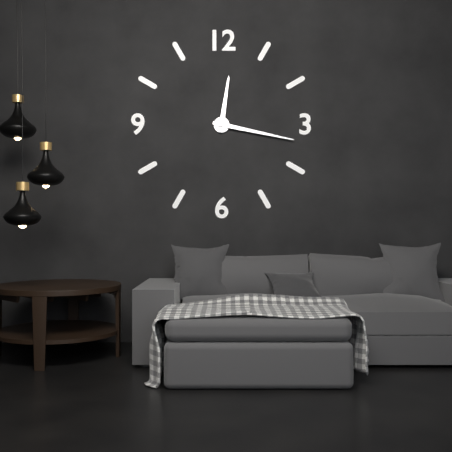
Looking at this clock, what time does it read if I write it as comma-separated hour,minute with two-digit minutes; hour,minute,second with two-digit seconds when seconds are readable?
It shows 12,17
